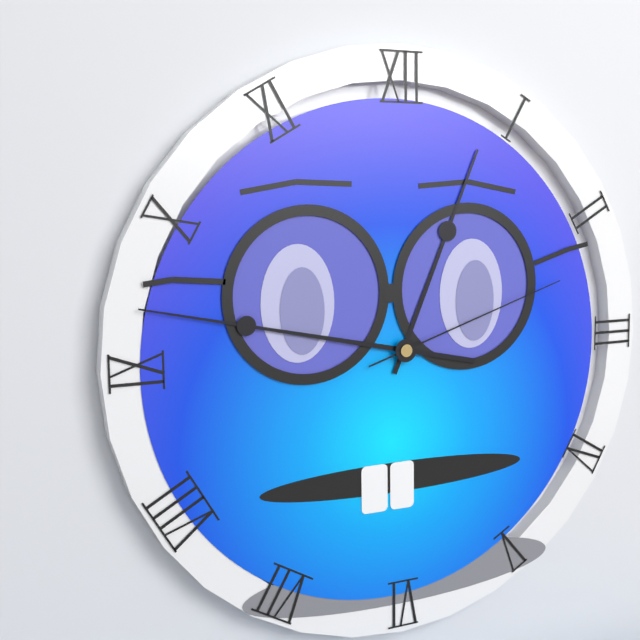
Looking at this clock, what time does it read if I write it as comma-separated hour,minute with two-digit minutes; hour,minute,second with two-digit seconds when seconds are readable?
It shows 12,47,12
